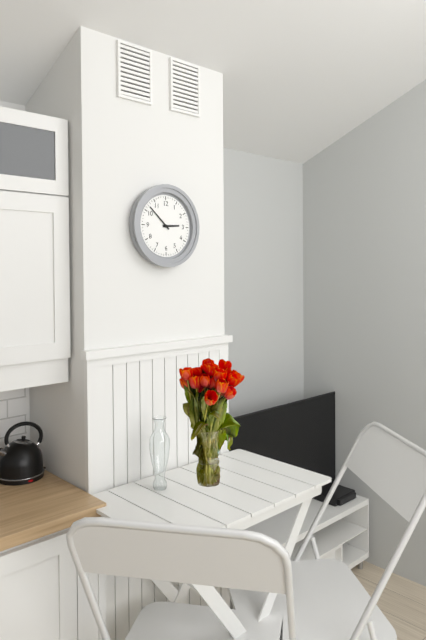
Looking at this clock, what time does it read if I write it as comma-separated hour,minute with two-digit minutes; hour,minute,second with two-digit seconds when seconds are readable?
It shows 2,52
